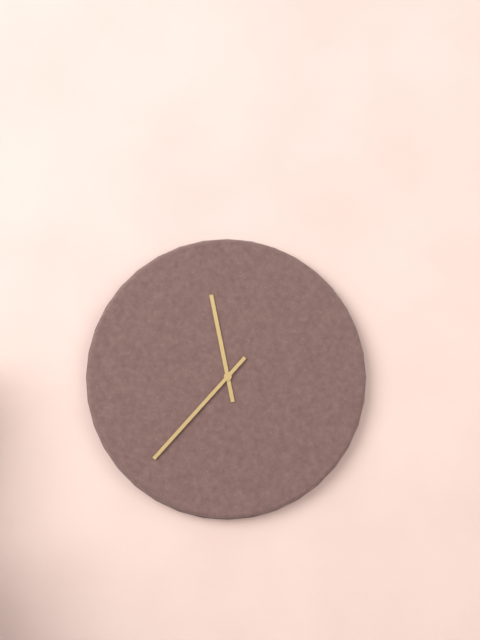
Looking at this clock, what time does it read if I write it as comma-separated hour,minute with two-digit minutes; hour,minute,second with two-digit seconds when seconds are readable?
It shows 11,37
